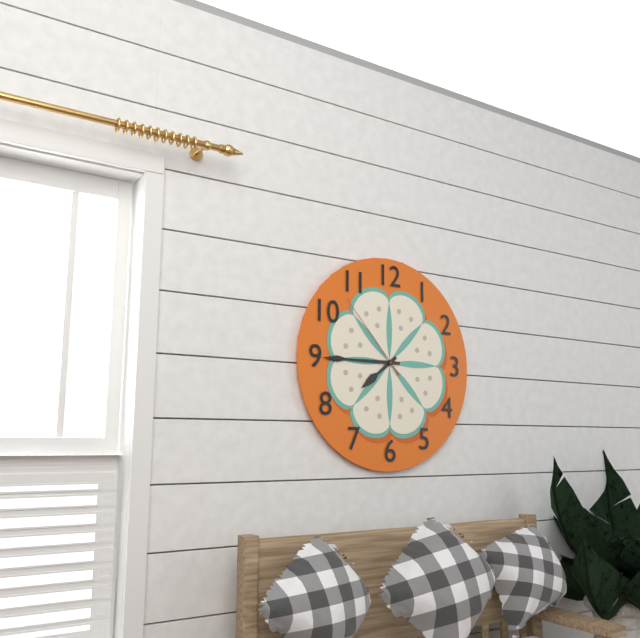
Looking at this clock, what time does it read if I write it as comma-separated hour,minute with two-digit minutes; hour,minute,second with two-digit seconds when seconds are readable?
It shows 7,45,53
